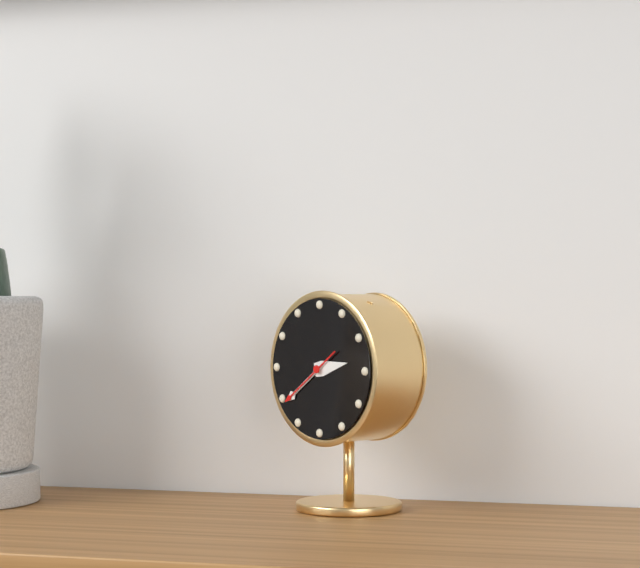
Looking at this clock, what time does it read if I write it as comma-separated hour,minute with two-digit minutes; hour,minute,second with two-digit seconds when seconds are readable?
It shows 2,39,39
